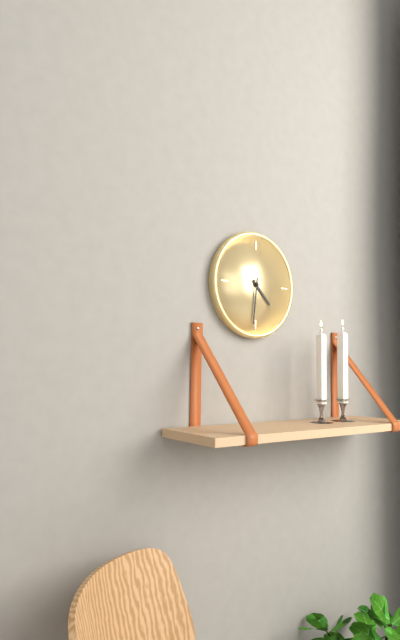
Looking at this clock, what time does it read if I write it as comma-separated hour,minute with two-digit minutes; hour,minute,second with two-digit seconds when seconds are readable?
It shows 4,31
